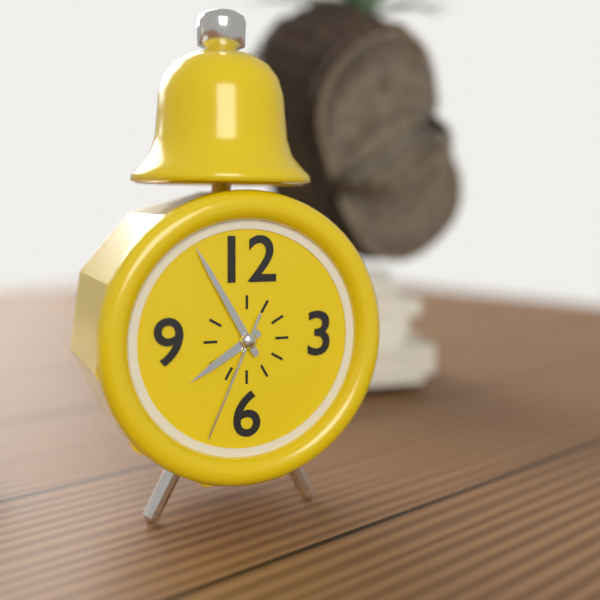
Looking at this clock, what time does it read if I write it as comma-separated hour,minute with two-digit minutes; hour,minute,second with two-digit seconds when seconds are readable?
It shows 7,55,34
